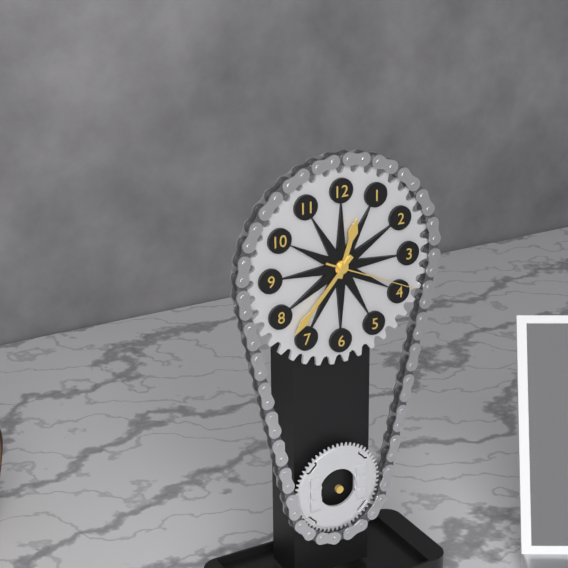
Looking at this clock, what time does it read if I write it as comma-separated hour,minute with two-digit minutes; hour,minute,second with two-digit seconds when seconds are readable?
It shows 12,37,19
